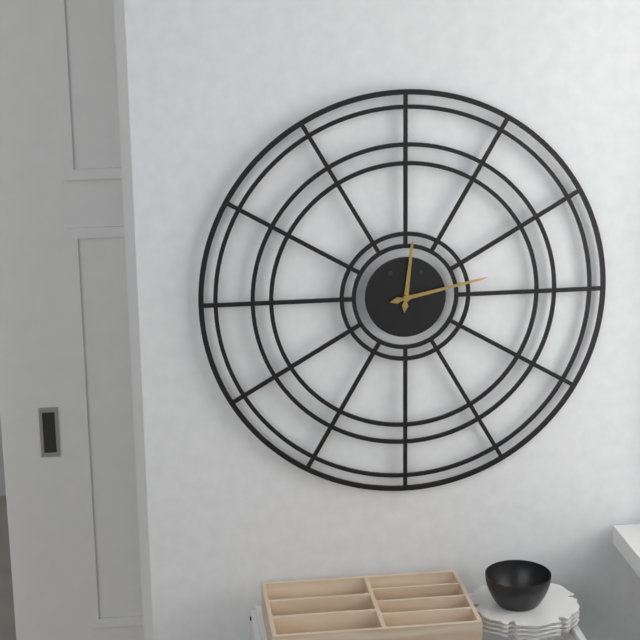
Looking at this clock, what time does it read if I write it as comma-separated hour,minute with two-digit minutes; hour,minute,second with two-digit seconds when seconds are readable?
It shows 12,13
